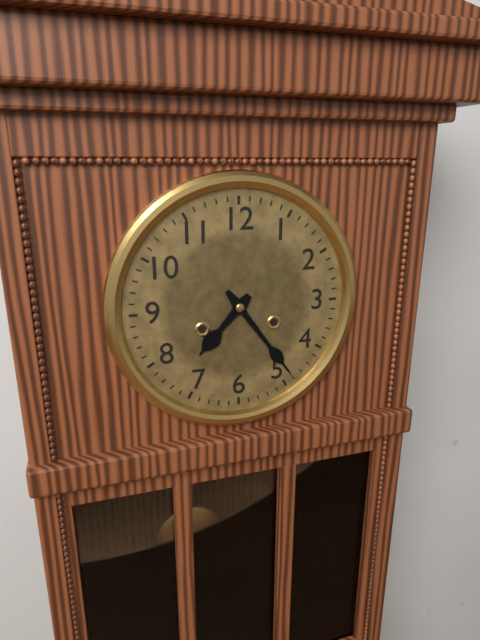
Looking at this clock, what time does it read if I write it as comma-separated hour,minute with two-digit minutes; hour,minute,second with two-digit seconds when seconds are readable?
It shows 7,24
